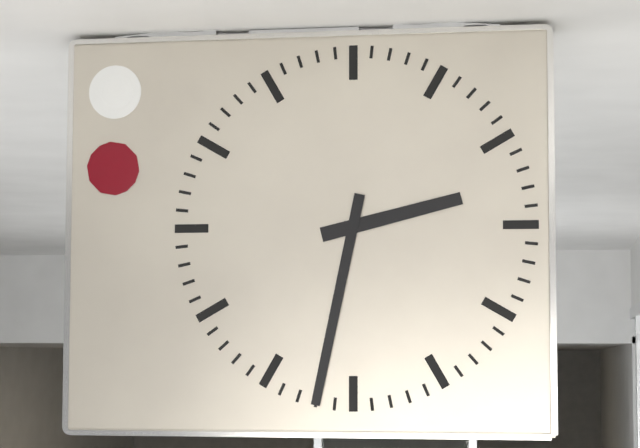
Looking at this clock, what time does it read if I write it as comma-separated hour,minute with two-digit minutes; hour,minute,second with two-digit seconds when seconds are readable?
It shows 2,32
